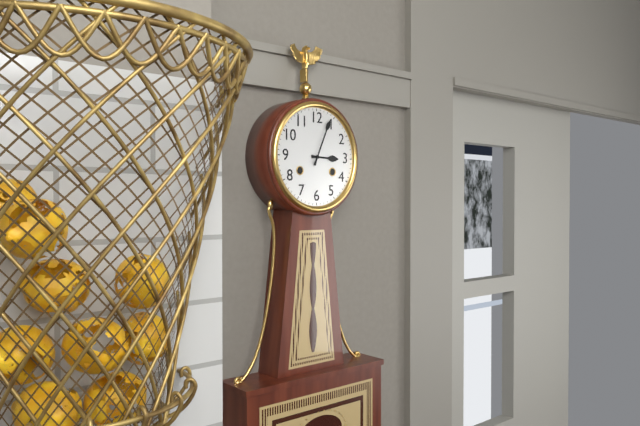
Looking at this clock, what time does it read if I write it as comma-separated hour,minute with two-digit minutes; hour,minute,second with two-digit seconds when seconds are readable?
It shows 3,04
